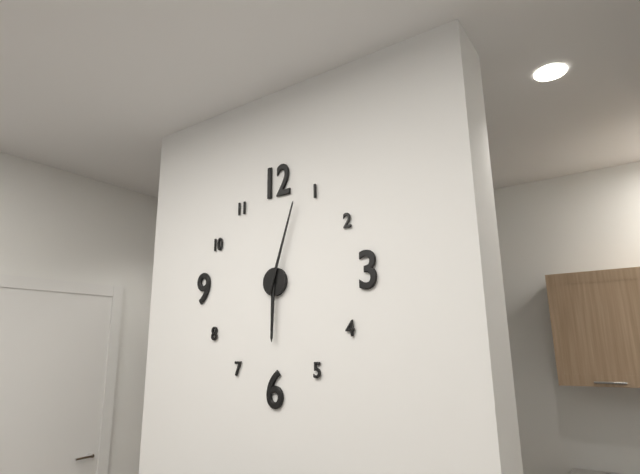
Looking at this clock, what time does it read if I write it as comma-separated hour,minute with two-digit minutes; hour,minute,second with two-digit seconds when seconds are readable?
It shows 6,03
